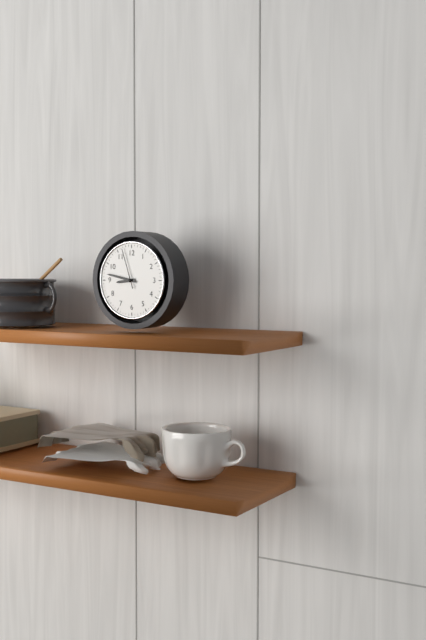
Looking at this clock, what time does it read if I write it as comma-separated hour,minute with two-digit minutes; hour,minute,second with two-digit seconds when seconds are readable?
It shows 8,47
